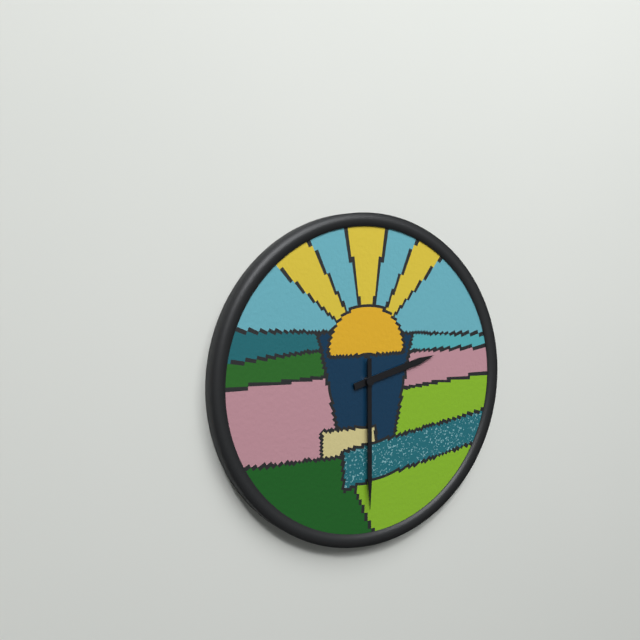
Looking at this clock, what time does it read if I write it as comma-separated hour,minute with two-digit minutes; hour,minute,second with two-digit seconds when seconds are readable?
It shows 2,30
